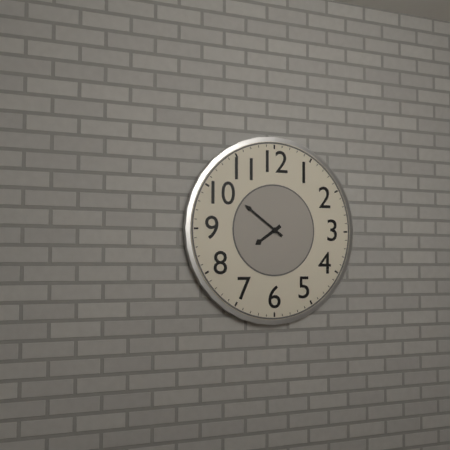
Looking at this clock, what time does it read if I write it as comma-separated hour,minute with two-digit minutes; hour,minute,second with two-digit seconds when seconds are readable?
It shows 7,51
